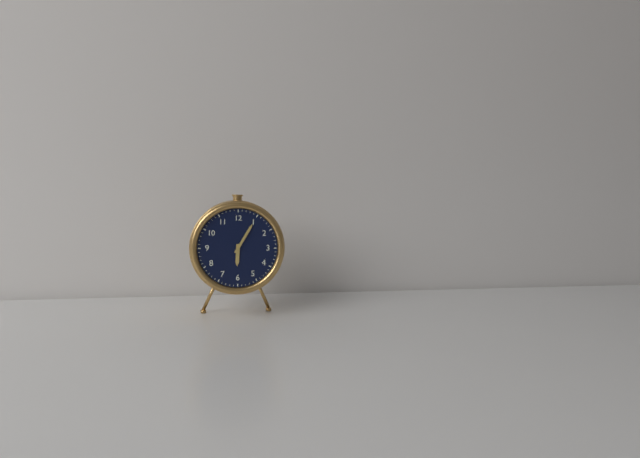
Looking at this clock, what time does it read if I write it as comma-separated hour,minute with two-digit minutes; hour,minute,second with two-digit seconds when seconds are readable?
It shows 6,05
